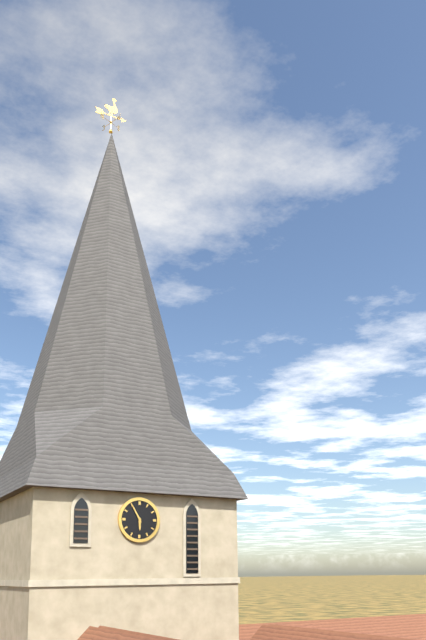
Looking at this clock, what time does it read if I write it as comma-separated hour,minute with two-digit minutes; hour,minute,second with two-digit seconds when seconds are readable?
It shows 5,55
